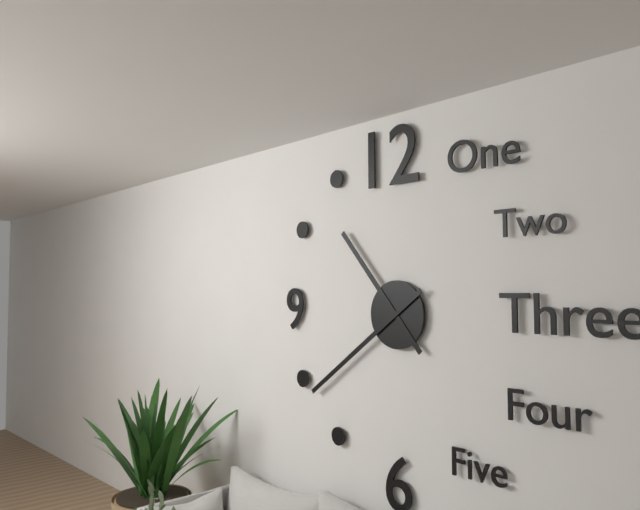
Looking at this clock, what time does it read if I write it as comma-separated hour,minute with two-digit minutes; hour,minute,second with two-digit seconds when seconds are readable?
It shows 10,39
